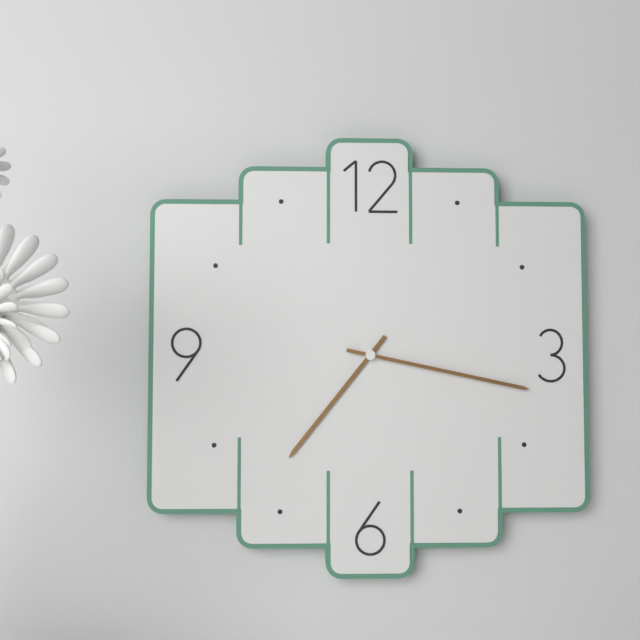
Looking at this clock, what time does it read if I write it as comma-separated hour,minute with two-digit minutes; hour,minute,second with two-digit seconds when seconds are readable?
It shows 7,17
